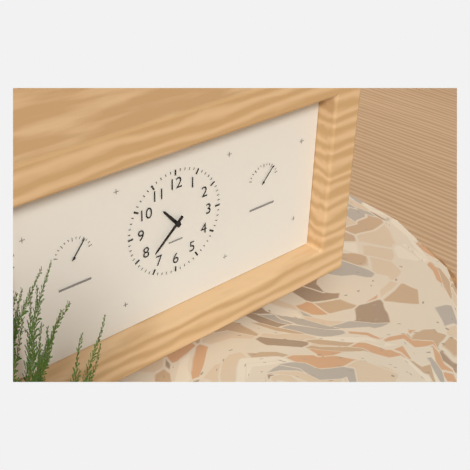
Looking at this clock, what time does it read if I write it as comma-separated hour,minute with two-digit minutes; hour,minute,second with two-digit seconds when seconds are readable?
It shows 10,38
